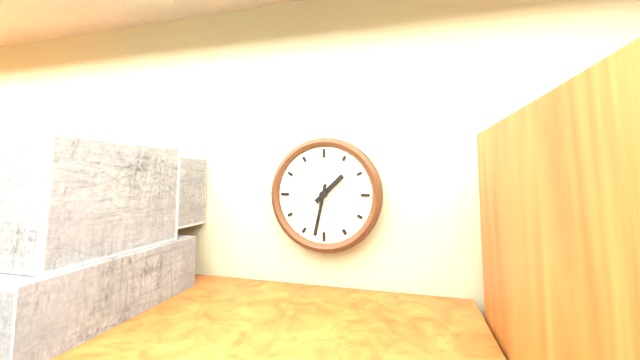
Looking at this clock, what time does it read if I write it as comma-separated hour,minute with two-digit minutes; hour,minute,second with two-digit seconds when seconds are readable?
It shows 1,32
